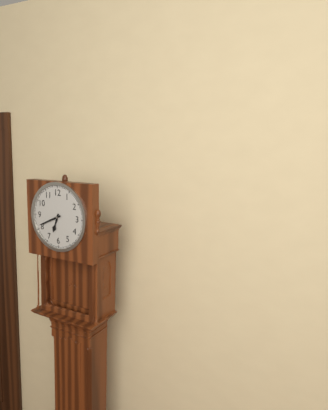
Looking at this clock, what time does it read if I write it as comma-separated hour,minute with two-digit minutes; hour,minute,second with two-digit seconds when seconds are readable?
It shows 6,41
